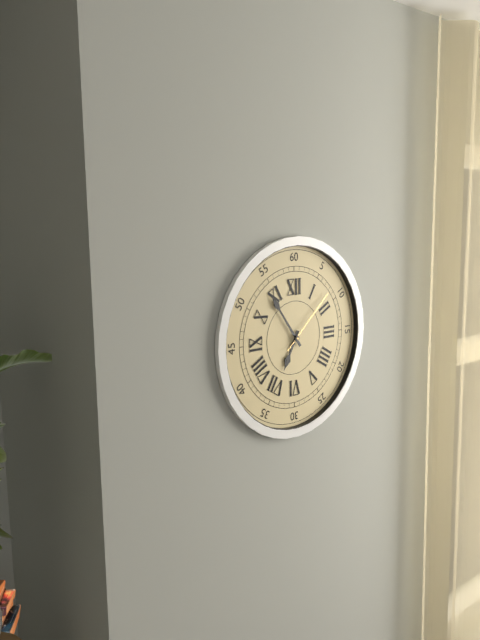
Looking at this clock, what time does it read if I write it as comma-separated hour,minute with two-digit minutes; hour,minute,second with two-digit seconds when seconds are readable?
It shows 6,54,08
